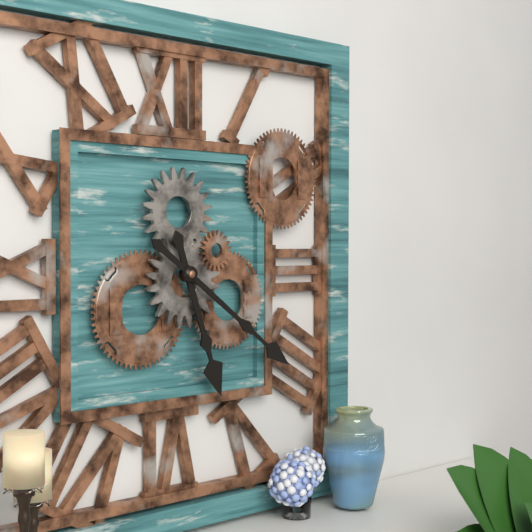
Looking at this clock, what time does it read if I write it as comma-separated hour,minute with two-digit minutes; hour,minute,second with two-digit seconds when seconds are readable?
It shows 5,21
